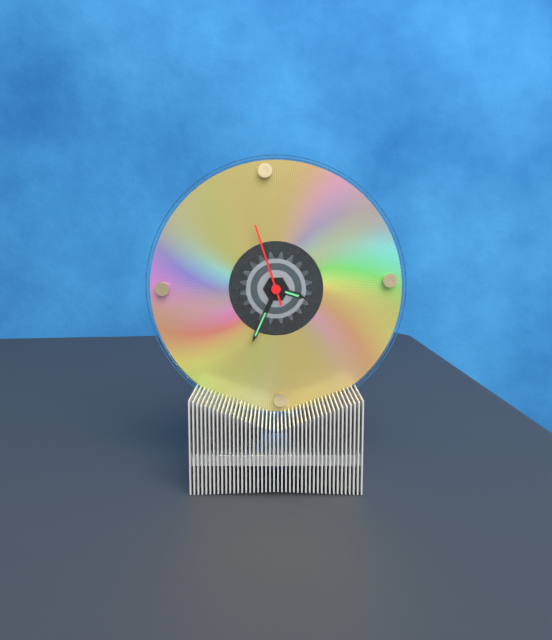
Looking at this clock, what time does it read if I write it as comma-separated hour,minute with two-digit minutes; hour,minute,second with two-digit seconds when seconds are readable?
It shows 3,34,57
